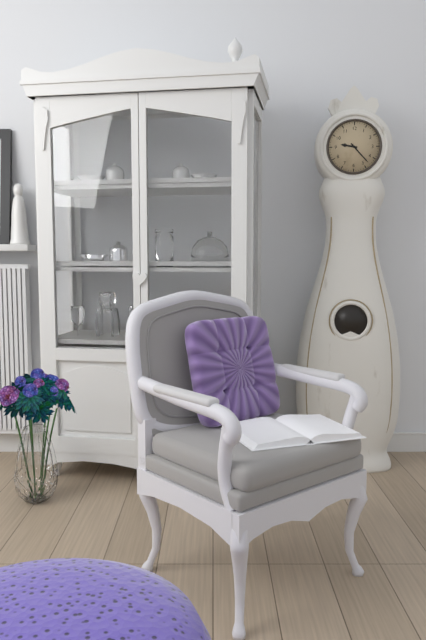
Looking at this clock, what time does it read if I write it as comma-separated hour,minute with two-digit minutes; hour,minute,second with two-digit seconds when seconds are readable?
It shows 9,23
